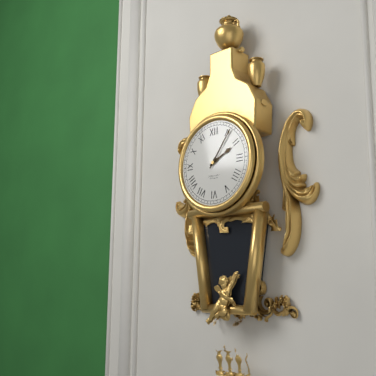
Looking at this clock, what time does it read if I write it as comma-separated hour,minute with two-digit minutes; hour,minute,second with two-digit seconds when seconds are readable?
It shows 2,06
